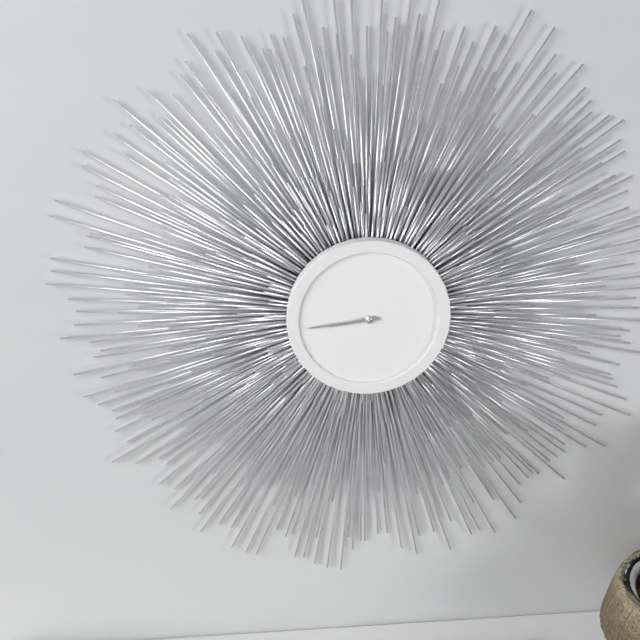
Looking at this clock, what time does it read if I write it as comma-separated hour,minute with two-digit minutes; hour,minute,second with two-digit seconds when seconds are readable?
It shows 8,44
